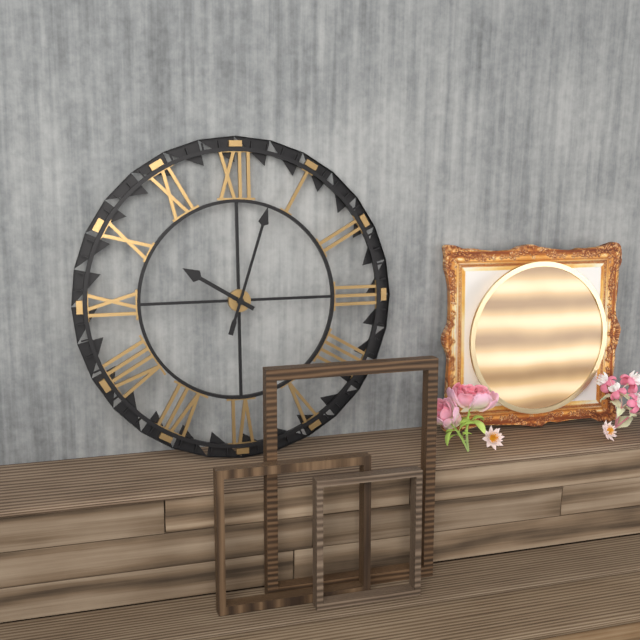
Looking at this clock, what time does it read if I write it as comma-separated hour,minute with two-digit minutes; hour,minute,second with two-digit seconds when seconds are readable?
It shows 10,03
